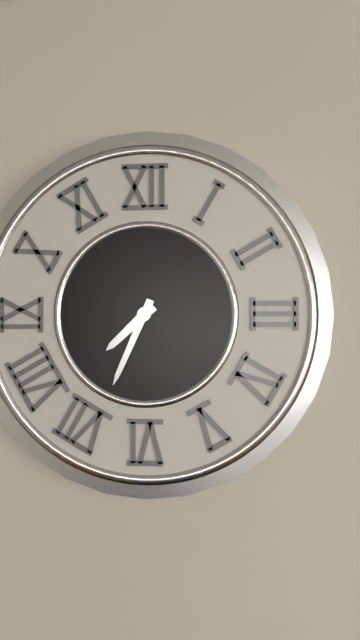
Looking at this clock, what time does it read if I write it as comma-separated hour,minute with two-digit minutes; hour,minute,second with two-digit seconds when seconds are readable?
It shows 7,34
